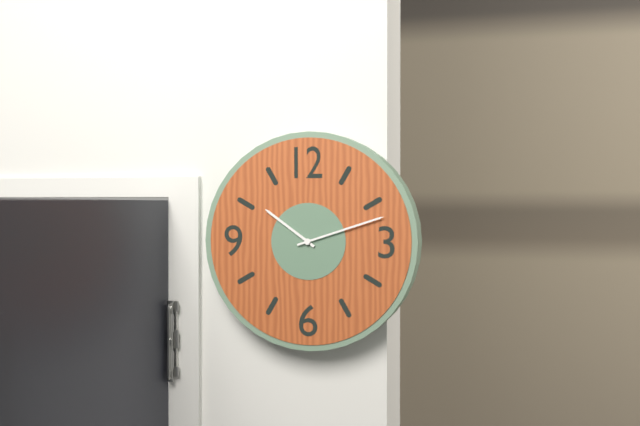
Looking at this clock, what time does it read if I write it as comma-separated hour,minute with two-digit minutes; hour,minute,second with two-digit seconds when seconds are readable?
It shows 10,12
